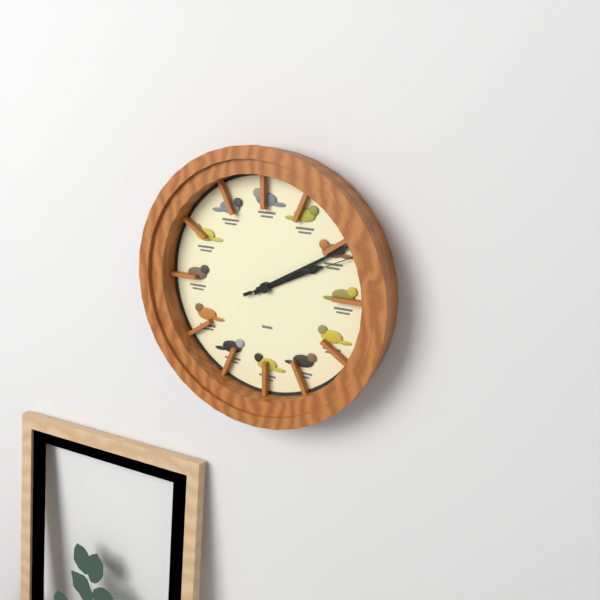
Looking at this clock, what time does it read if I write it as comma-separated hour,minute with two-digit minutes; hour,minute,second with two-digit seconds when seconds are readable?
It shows 2,10,11
